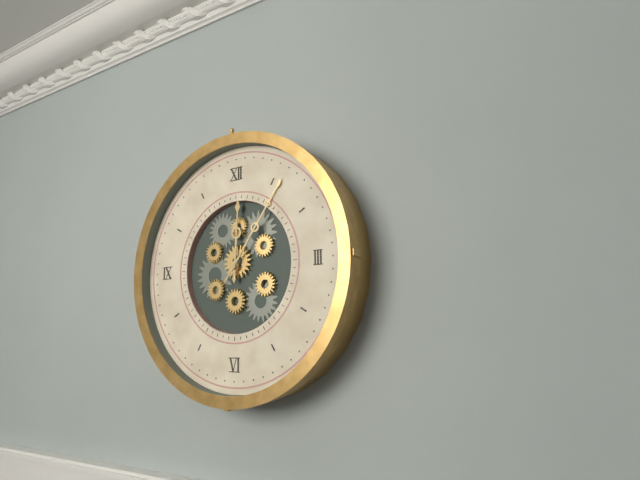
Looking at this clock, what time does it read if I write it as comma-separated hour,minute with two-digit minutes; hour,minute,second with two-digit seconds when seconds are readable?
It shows 12,06
